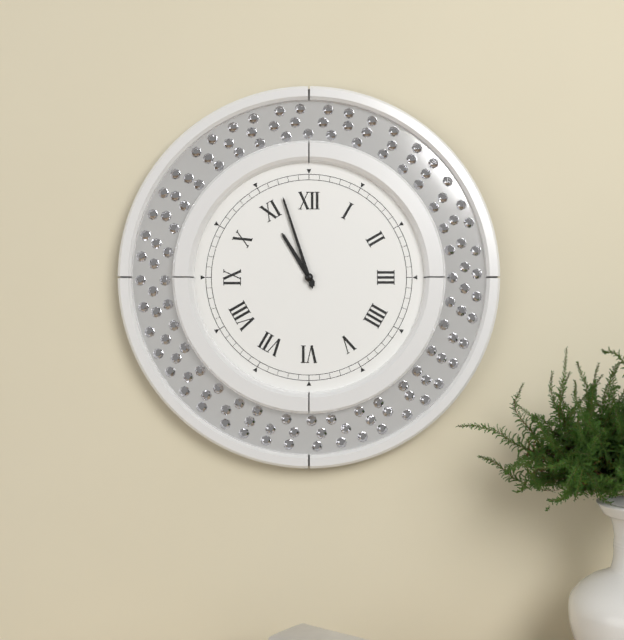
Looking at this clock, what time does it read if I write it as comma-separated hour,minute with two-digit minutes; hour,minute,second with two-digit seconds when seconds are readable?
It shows 10,57
